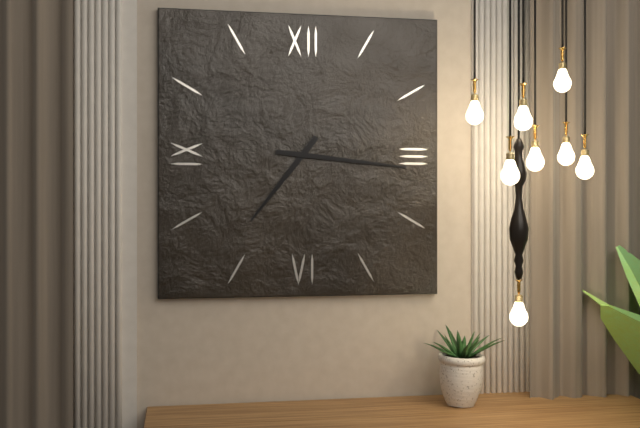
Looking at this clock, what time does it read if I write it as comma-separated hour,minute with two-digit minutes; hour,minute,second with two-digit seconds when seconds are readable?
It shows 7,16
